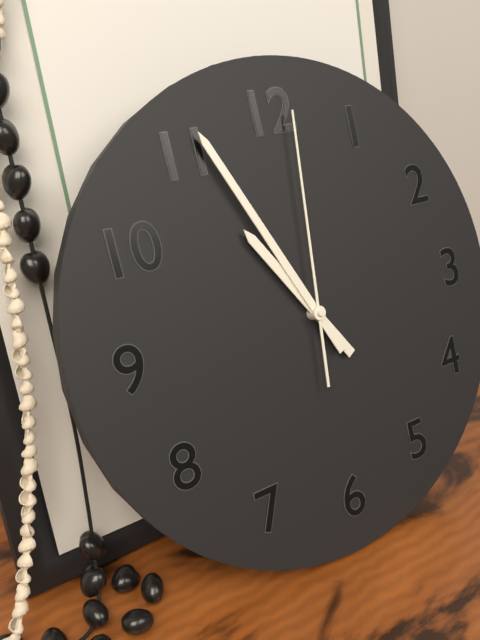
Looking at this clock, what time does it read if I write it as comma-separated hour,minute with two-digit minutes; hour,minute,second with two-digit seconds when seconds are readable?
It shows 10,56,01
